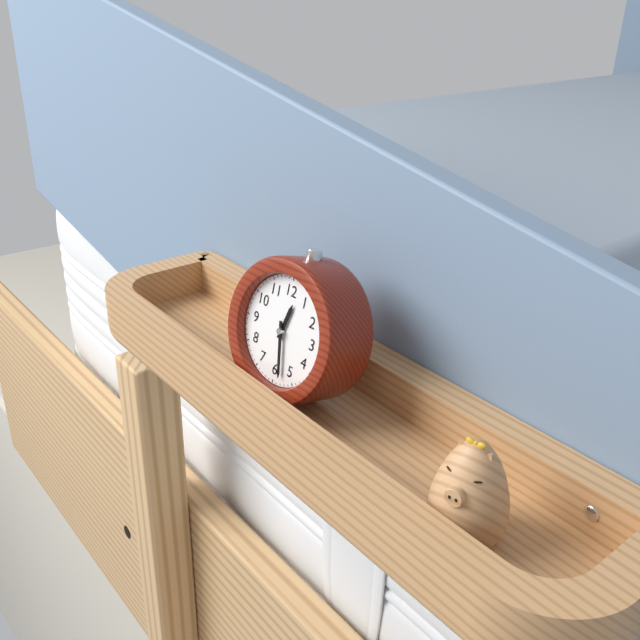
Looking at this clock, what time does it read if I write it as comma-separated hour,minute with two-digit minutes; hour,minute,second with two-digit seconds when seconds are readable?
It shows 12,28
